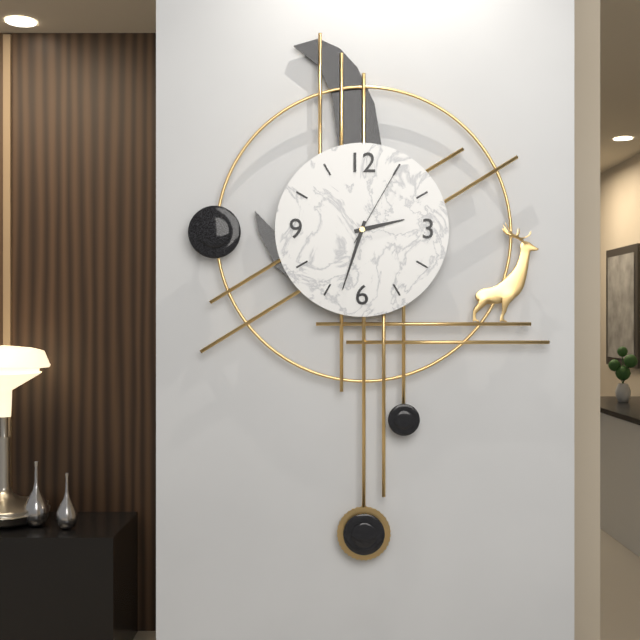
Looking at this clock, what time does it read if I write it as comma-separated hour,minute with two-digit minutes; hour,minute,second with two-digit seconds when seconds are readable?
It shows 2,33,05
